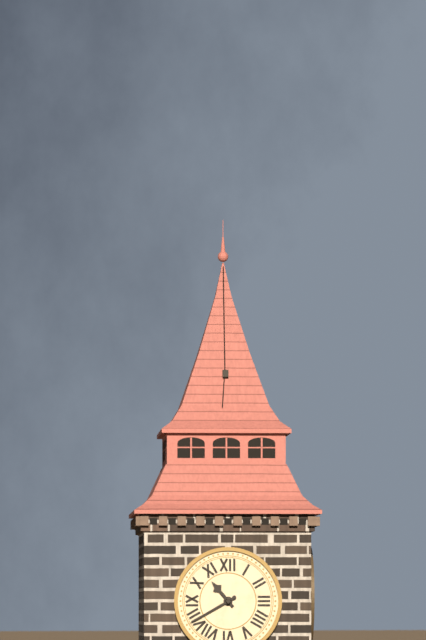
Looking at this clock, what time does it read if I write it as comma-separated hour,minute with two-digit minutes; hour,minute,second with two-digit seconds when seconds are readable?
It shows 10,40
